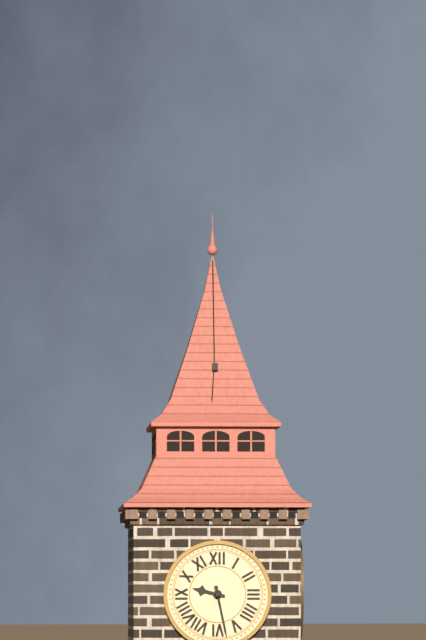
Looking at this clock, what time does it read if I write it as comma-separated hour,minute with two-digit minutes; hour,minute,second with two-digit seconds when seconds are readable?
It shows 9,28
